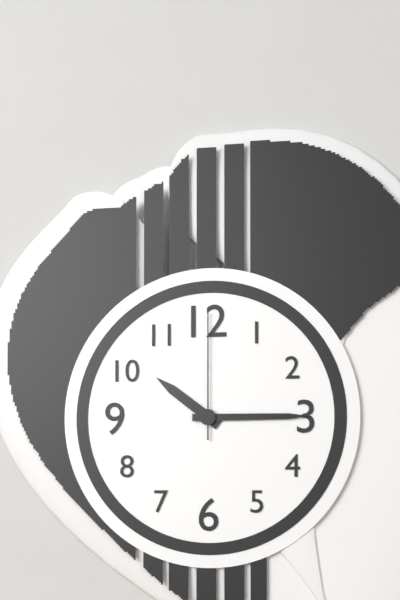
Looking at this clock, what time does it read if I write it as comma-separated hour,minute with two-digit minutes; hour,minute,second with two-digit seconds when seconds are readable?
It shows 10,15,00
